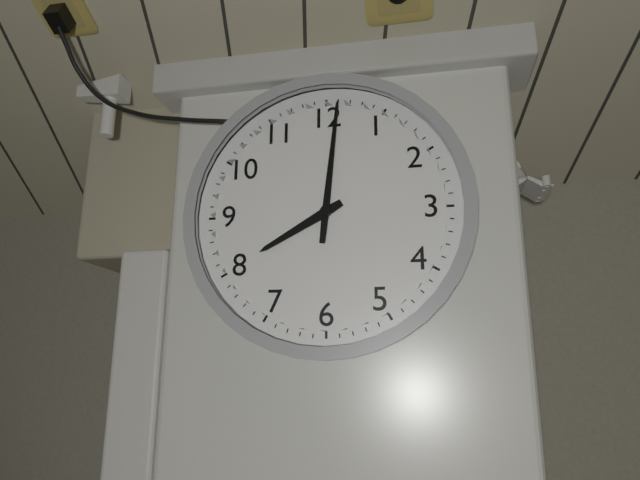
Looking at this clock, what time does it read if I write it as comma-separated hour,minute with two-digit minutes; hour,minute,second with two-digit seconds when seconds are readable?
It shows 8,01
